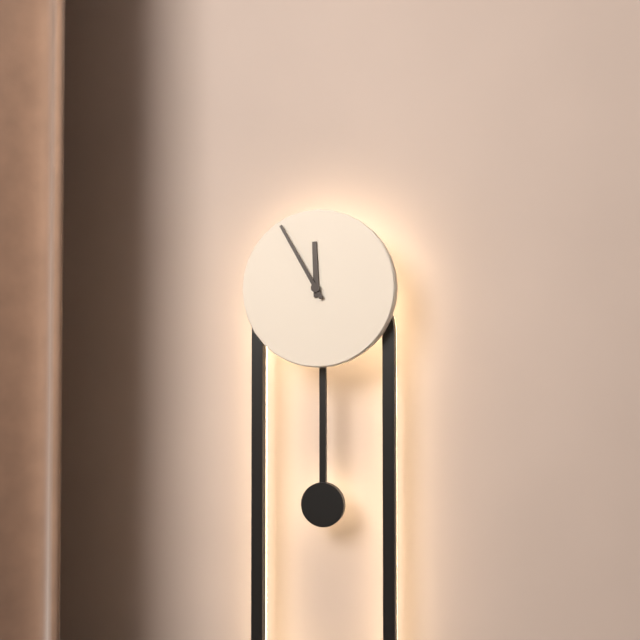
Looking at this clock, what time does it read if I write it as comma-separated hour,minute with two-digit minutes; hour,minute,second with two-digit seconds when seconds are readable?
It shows 11,55
